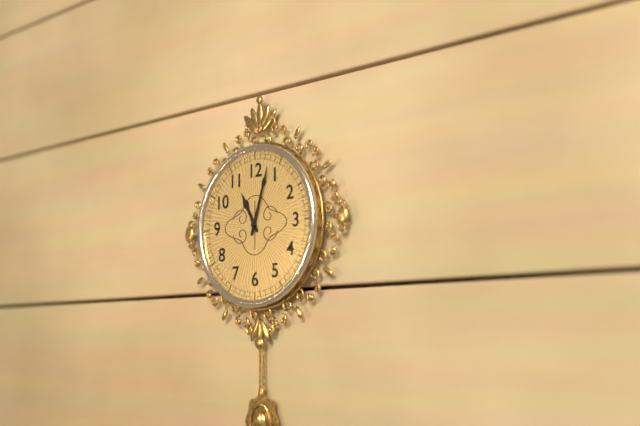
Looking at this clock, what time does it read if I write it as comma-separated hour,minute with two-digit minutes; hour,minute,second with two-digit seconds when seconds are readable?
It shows 11,03
